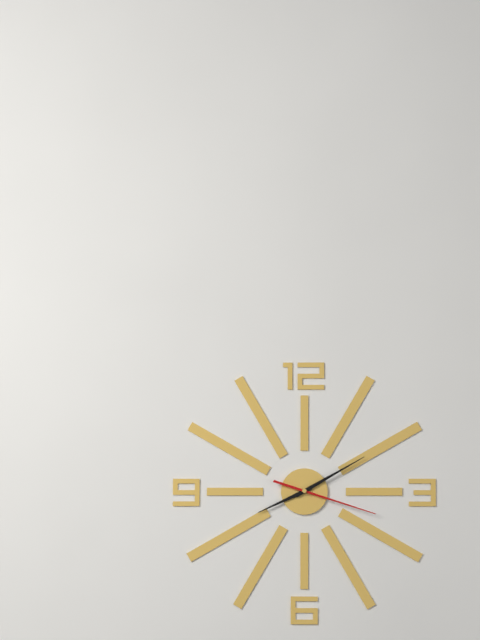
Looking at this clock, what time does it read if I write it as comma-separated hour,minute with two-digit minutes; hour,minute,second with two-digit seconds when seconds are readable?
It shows 8,10,18
